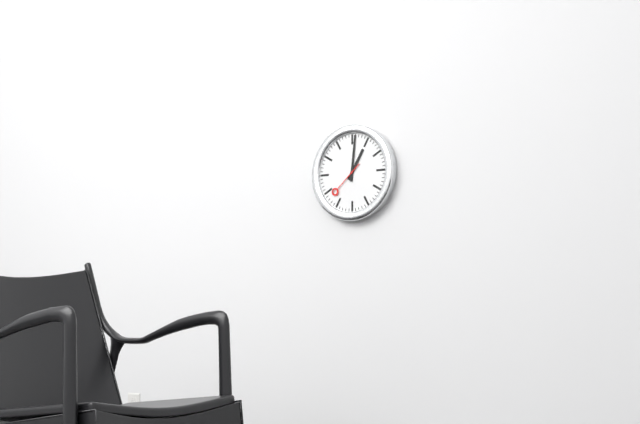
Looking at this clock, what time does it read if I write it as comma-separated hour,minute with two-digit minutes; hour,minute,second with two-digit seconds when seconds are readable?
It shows 1,01
